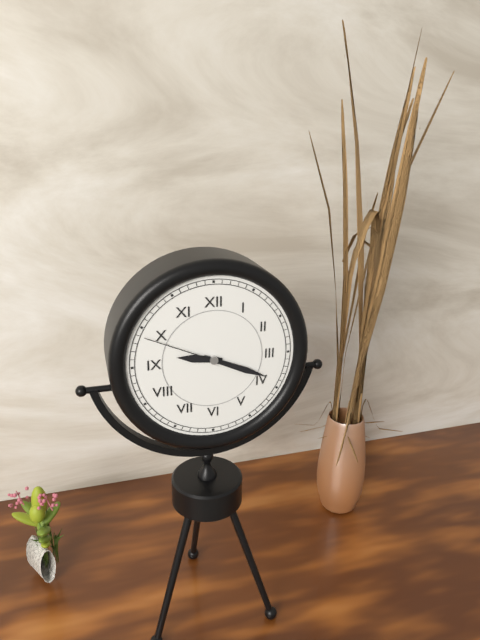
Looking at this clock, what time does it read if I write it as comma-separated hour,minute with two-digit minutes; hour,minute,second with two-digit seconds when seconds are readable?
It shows 9,19,49
